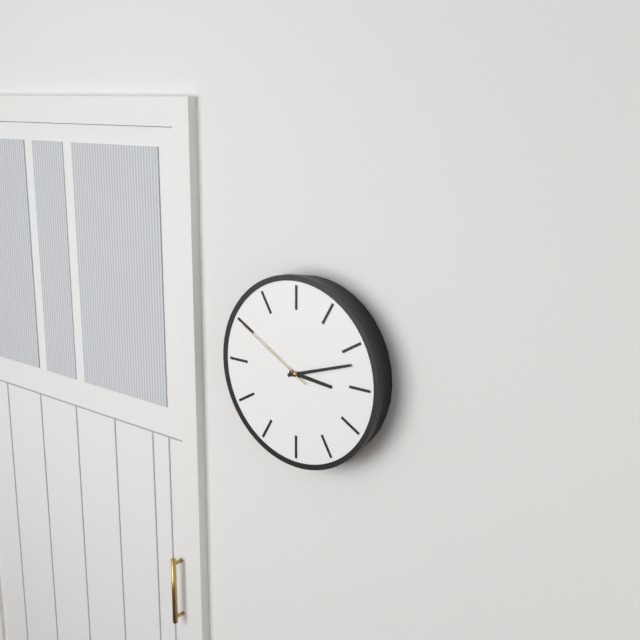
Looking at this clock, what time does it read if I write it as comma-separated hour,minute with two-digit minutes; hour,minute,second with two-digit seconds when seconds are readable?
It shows 3,12,50
